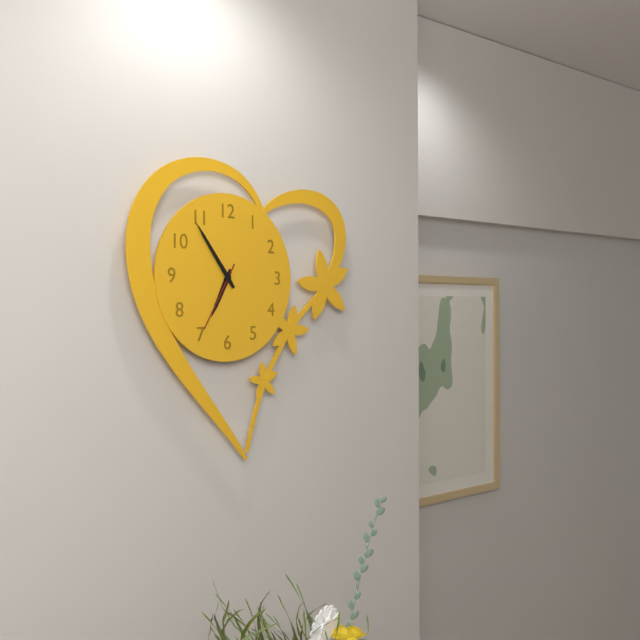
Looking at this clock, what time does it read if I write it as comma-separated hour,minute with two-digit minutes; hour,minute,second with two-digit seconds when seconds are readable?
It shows 6,54,35
